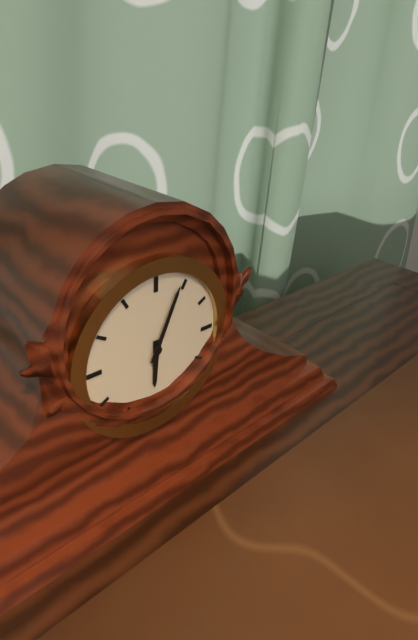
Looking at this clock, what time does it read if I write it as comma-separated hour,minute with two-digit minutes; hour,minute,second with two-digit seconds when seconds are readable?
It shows 6,04
